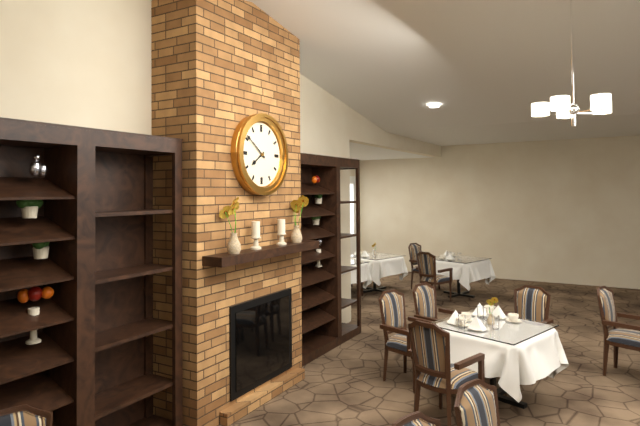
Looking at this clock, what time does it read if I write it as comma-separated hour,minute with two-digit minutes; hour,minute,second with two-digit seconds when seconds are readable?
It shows 7,51
